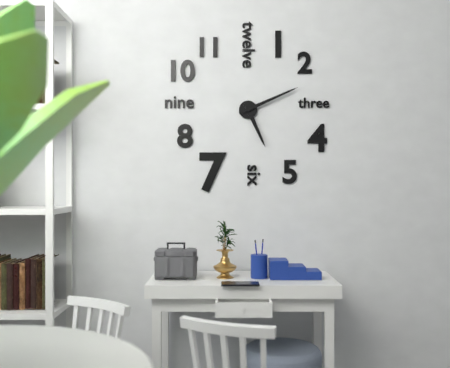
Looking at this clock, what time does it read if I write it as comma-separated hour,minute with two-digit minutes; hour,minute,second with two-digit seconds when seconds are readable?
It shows 5,11
